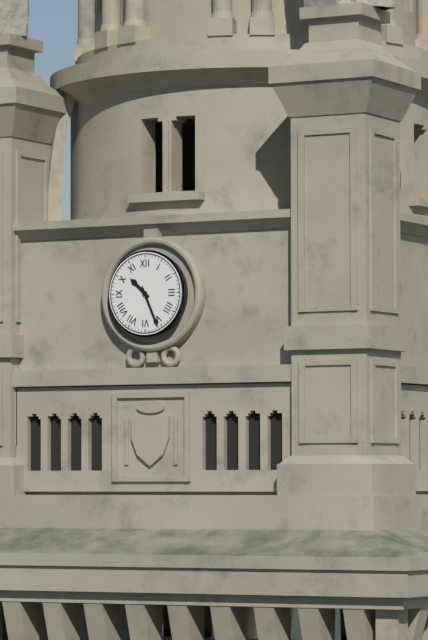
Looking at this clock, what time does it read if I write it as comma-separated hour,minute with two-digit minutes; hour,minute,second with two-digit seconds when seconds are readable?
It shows 10,26
